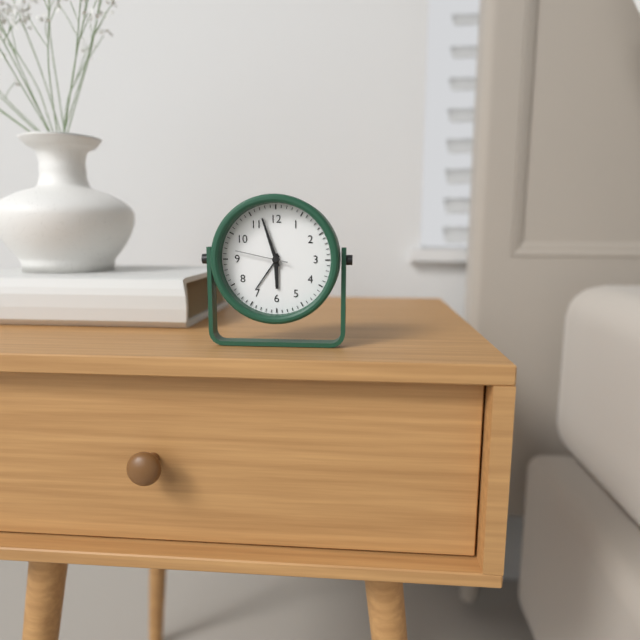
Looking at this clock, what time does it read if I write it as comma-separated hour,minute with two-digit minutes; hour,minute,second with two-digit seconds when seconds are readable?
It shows 5,57,47
